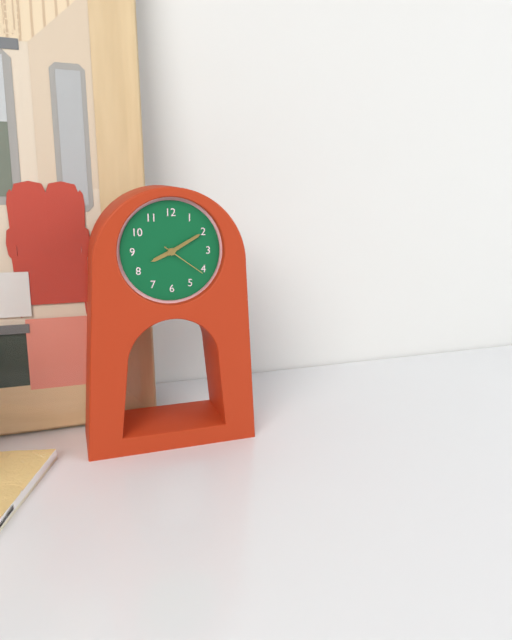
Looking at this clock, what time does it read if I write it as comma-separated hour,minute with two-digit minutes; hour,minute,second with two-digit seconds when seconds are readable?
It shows 8,10
